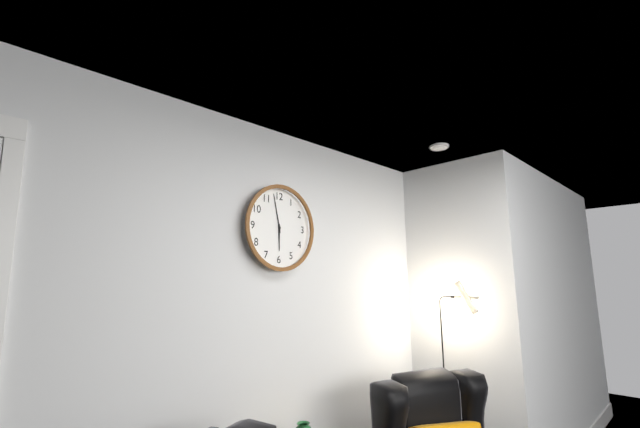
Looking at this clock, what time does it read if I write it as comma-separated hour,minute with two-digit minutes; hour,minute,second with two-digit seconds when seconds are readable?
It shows 5,58
